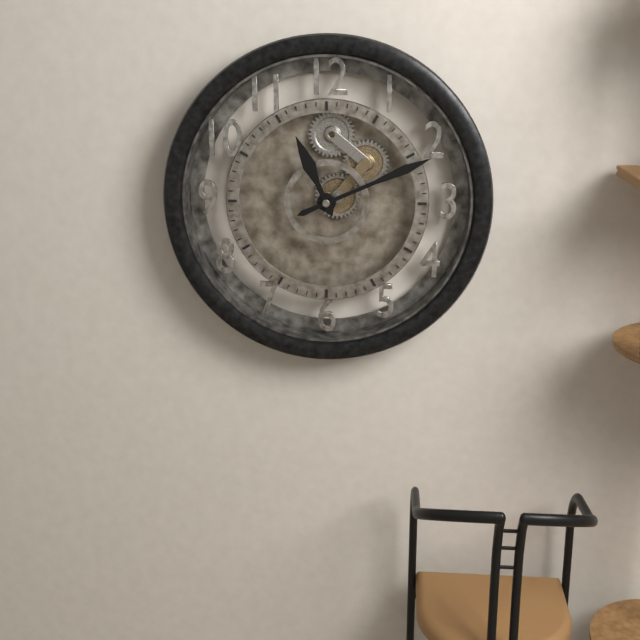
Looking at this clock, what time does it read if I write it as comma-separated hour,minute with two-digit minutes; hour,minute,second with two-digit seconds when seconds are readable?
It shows 11,11
